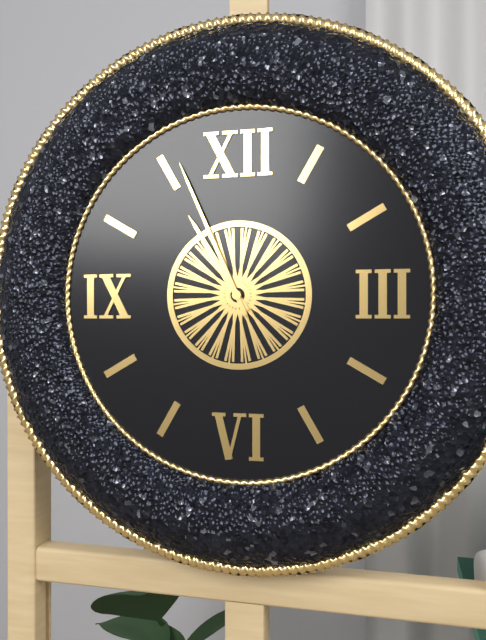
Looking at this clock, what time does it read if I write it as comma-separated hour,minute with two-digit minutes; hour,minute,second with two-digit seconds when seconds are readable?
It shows 10,56
